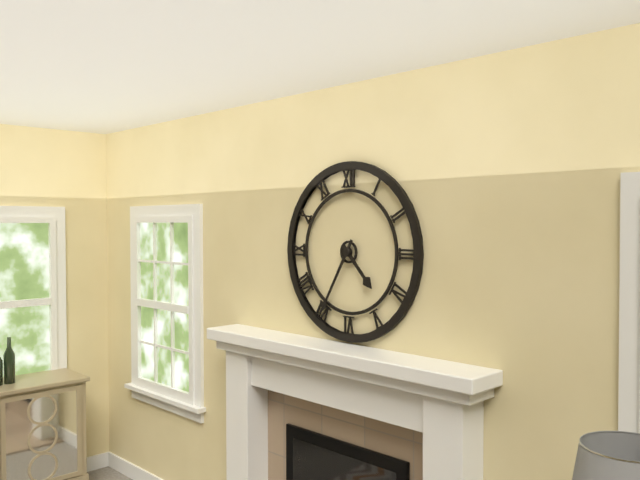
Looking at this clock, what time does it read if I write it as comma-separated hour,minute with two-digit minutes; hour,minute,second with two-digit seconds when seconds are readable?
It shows 4,35
